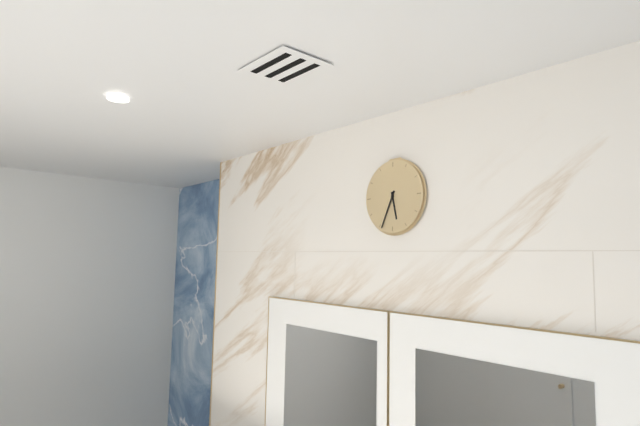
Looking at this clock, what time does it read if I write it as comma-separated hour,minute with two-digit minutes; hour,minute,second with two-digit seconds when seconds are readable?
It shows 5,34
